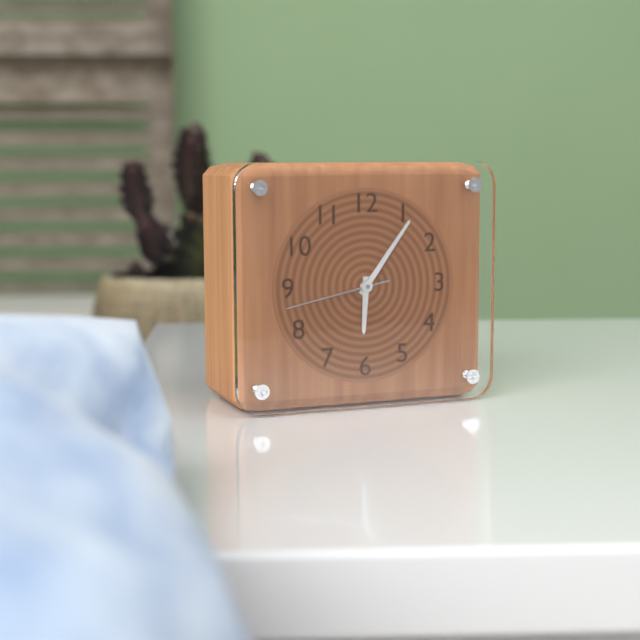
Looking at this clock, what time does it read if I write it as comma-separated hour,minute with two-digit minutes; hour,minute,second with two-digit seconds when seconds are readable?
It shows 6,06,43
